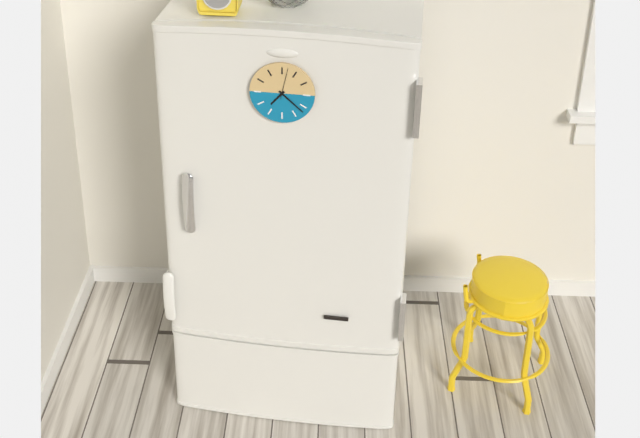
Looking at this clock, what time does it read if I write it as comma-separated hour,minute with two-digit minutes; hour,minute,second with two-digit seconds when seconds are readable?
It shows 7,22
